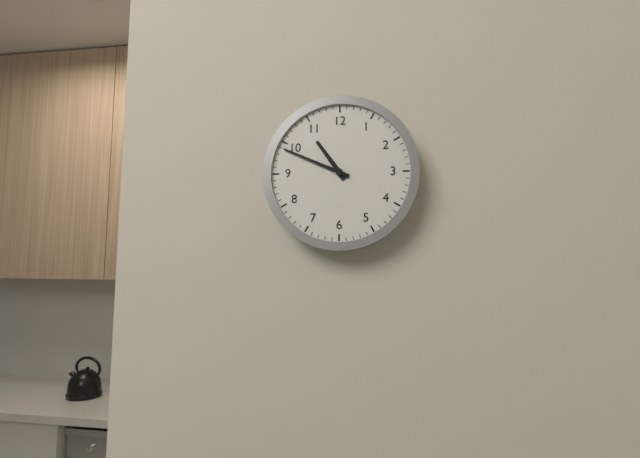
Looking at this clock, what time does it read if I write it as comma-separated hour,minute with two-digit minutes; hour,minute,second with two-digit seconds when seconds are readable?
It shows 10,49
